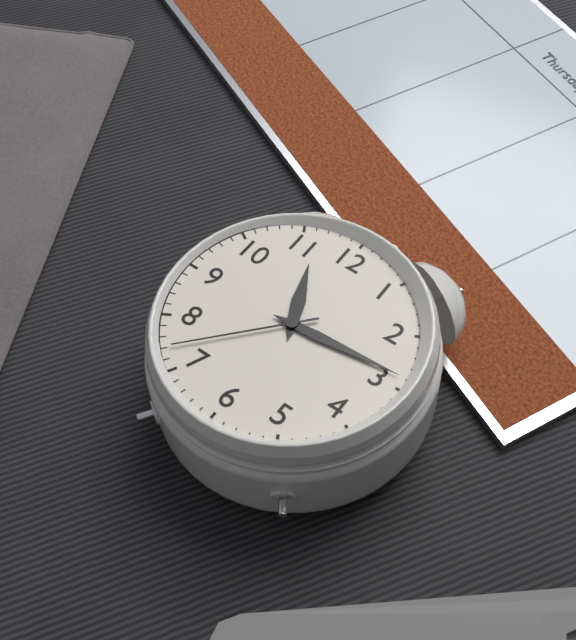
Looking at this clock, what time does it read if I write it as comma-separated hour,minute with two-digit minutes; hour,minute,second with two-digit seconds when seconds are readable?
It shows 11,14,37
